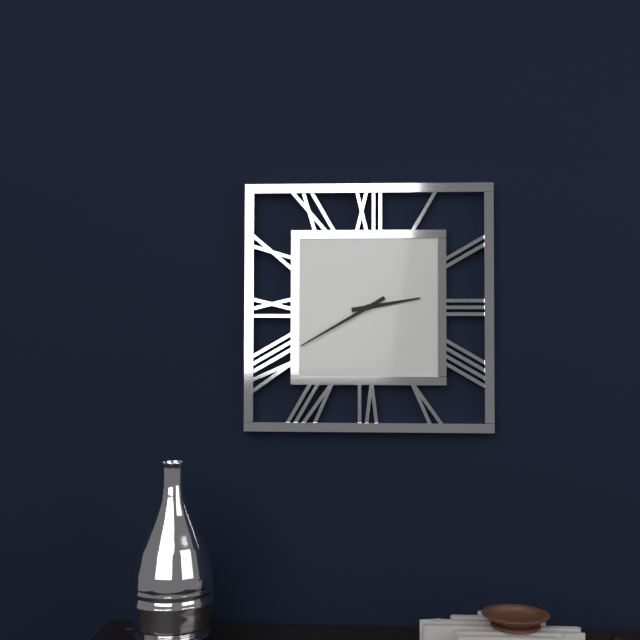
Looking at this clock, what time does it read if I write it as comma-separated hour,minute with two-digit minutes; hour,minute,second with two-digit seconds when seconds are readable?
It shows 2,40
